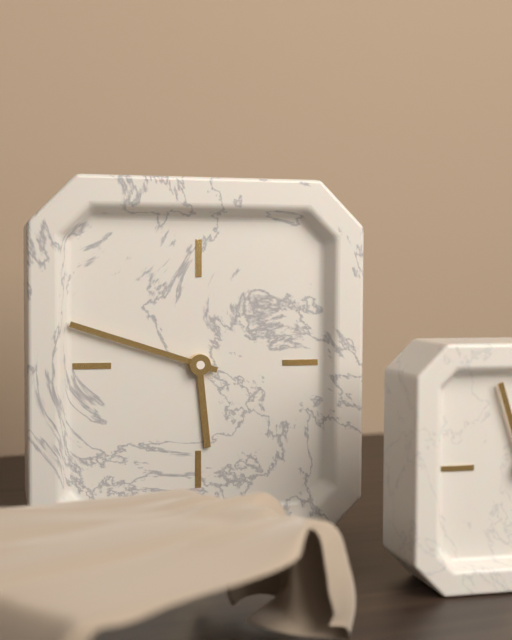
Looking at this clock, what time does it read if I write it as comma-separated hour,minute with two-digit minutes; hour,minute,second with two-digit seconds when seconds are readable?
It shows 5,48
